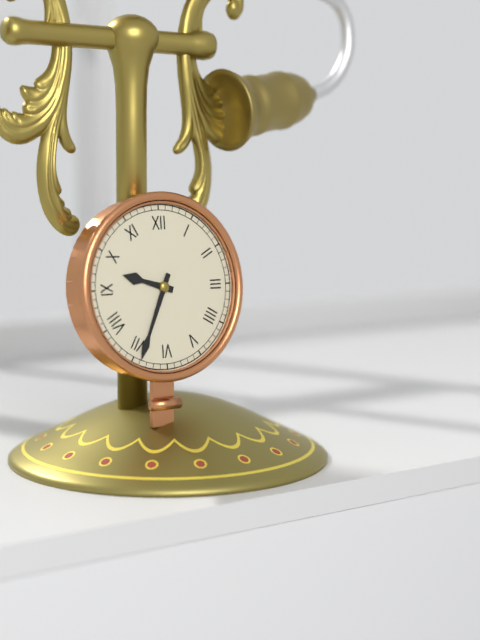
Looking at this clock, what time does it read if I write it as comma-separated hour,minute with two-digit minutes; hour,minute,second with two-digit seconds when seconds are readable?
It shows 9,34
